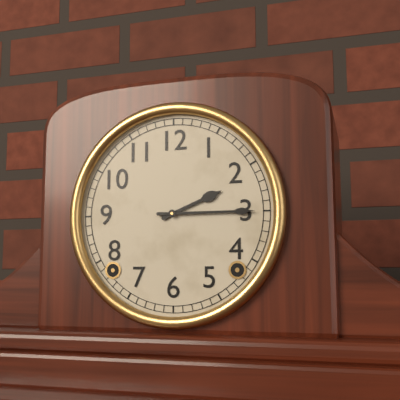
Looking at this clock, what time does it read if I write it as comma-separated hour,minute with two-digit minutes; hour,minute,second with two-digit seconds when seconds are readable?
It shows 2,15
